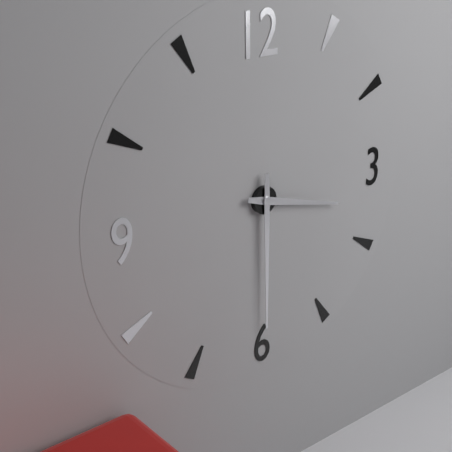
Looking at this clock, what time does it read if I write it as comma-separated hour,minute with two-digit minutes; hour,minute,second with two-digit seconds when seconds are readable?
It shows 3,30
